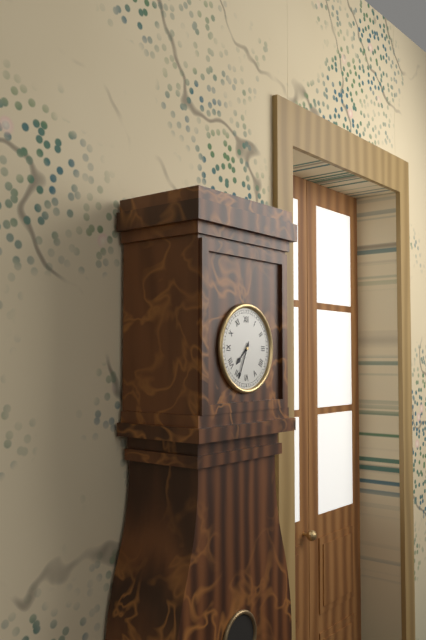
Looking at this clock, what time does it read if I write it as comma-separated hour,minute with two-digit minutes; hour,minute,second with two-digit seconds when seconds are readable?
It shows 7,34
